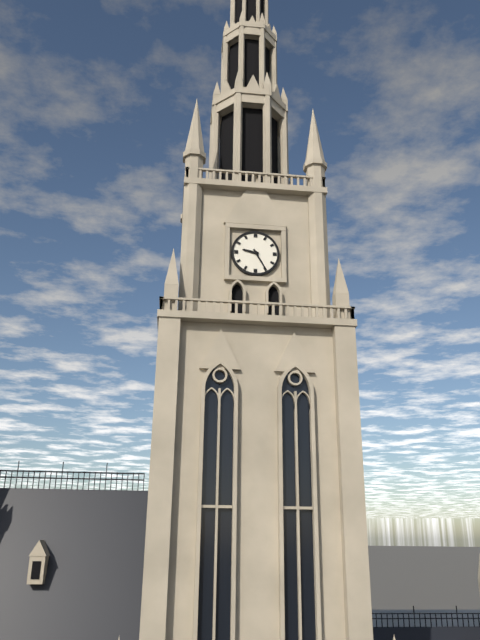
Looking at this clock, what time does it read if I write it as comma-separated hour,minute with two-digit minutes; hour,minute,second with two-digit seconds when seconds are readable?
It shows 9,25
